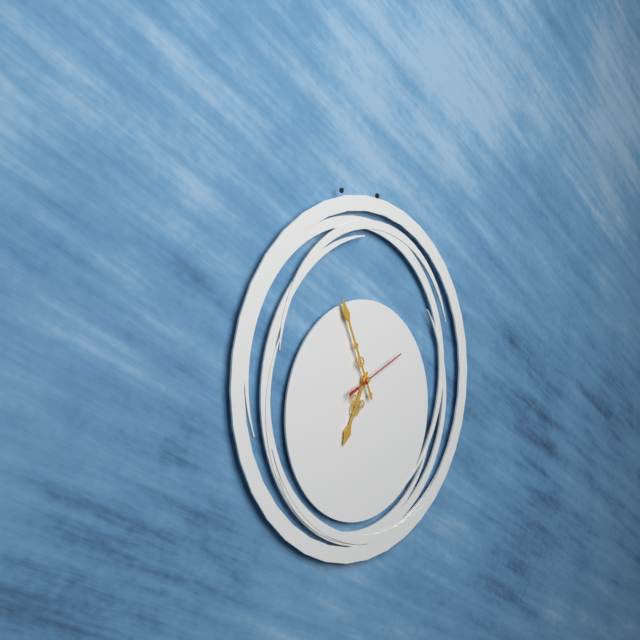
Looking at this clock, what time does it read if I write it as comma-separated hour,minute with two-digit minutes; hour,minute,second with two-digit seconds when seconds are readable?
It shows 6,56,11
